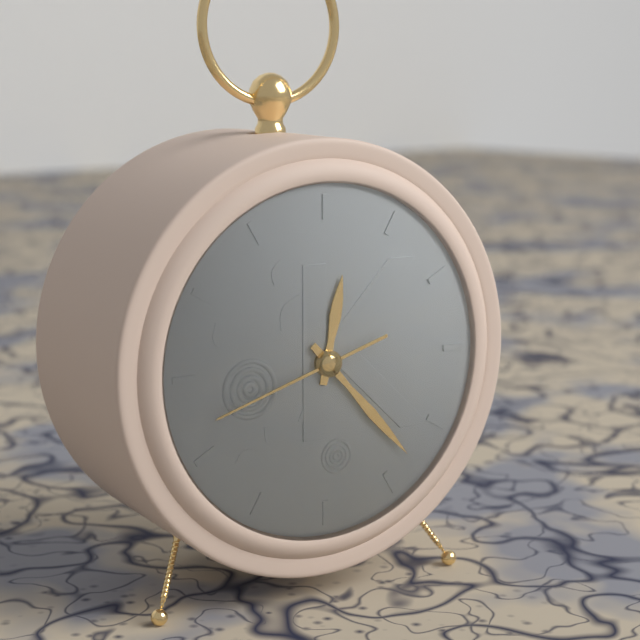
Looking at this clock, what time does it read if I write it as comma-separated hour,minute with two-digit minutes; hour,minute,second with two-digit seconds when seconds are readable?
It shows 12,23,42
